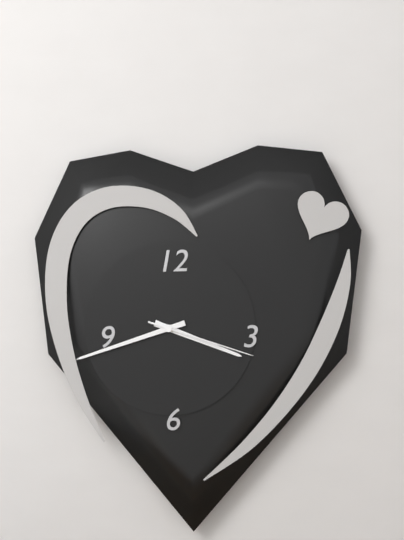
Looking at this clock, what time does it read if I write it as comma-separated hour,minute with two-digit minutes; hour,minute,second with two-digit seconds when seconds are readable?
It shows 3,42,18
